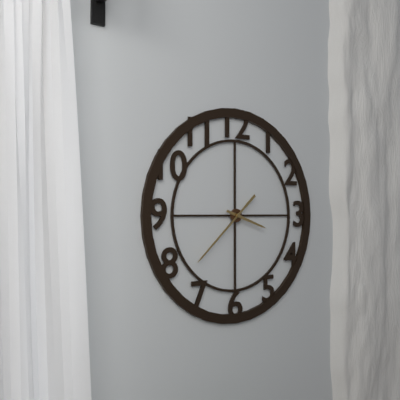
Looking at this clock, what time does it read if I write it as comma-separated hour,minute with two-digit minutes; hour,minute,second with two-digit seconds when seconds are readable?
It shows 3,38
